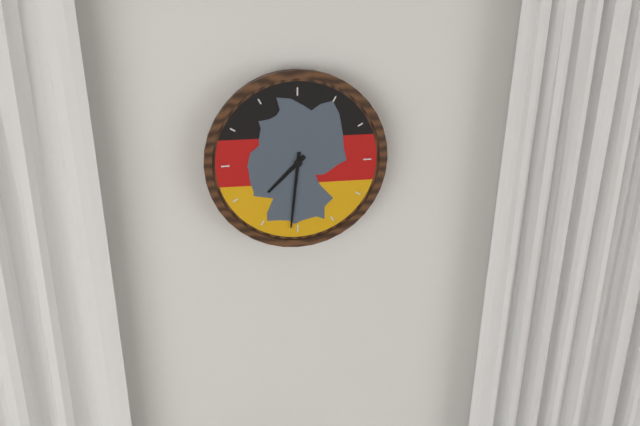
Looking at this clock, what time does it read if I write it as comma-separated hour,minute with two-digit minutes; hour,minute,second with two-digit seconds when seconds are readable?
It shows 7,31
